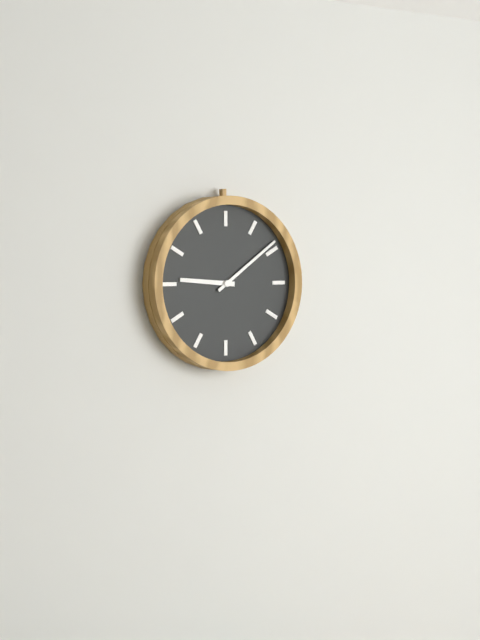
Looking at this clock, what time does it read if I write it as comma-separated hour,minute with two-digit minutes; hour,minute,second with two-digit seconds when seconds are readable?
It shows 9,09
